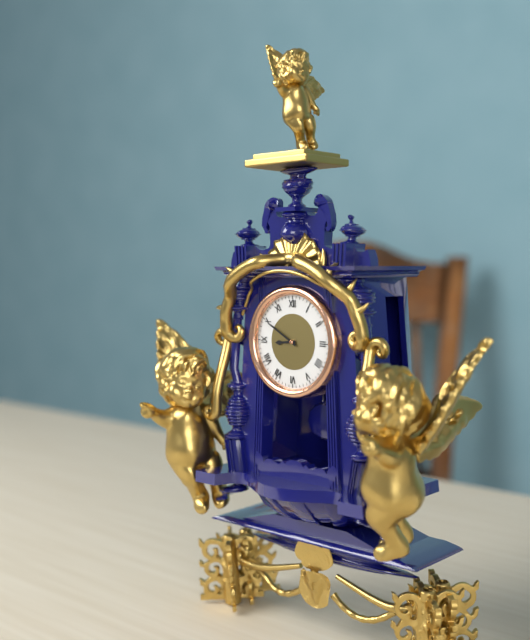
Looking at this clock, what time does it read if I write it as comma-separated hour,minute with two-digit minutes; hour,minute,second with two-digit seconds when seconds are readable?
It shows 8,50
